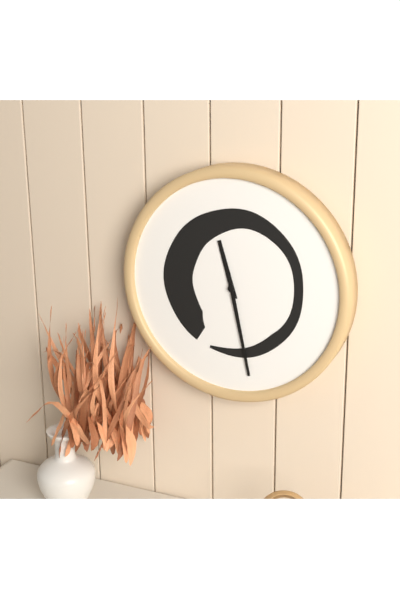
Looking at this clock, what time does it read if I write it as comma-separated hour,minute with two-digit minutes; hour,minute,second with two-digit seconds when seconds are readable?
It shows 11,28
